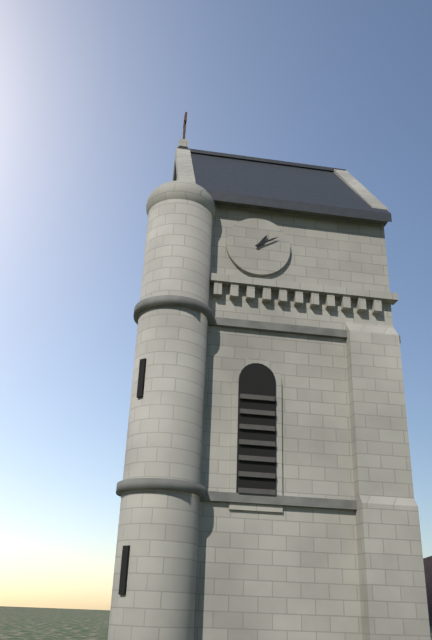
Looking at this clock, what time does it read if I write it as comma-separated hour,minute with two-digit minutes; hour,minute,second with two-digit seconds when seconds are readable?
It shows 1,10
